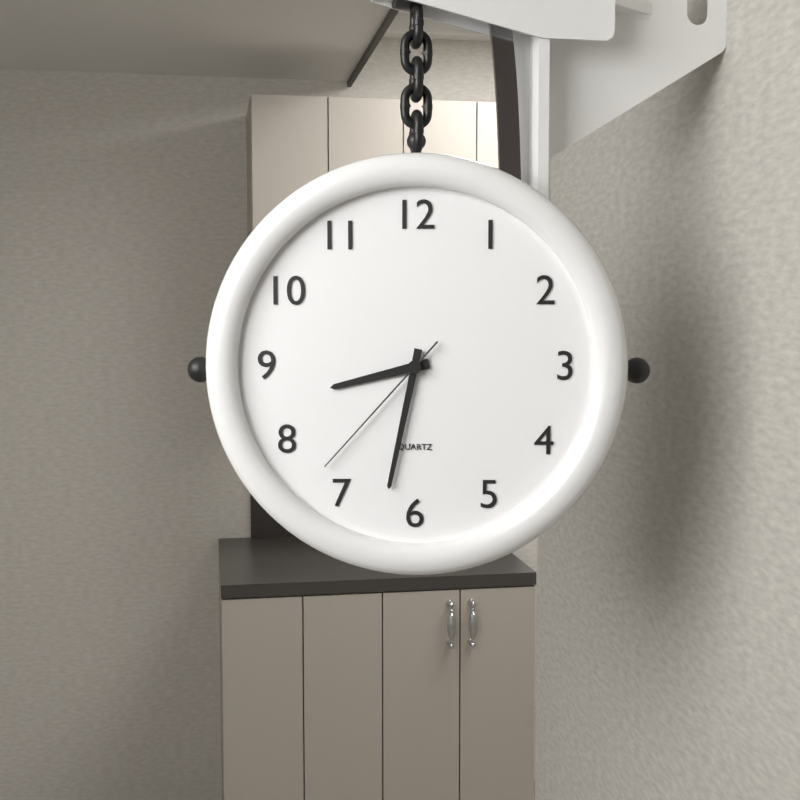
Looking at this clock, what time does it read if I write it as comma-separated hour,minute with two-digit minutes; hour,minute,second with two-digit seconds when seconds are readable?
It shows 8,32,37
